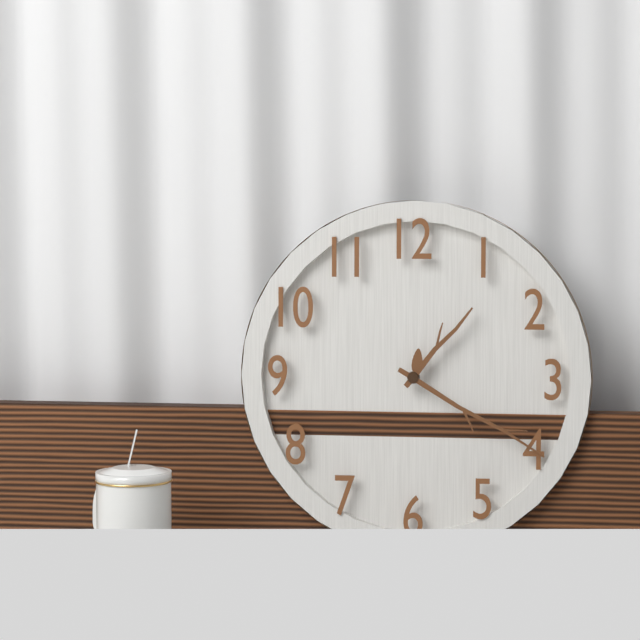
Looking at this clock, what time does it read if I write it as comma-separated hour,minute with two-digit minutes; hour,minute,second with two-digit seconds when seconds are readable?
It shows 1,20
